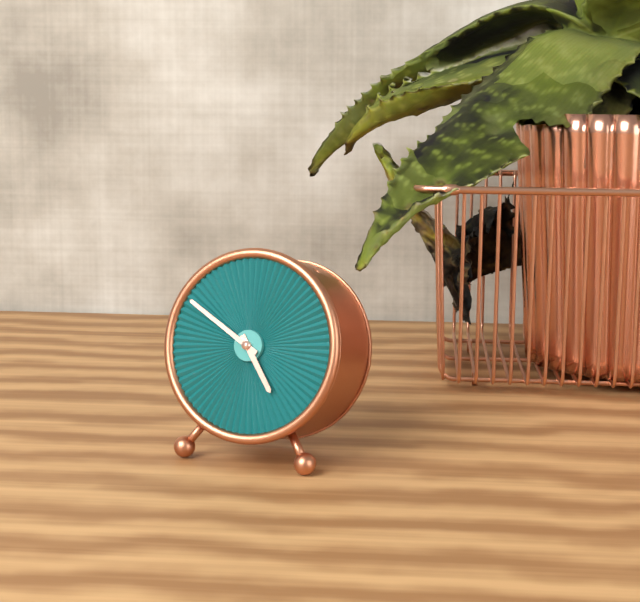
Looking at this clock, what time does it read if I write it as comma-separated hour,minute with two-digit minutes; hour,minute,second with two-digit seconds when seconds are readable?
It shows 4,50
